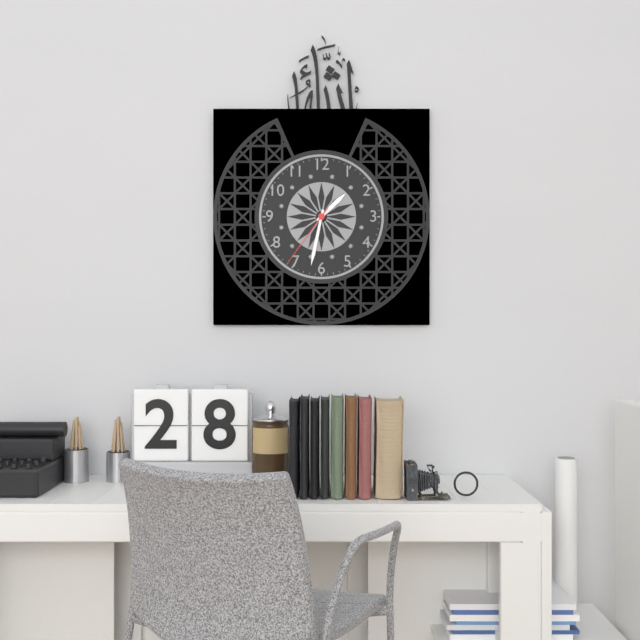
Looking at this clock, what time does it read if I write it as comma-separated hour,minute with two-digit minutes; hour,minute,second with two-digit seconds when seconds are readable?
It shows 1,32,36
